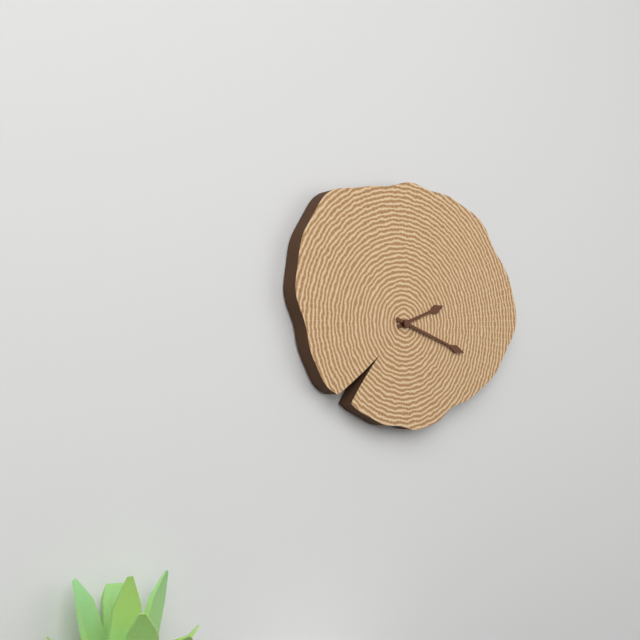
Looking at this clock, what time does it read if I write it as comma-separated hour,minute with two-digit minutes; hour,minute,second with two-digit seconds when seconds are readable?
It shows 2,18
